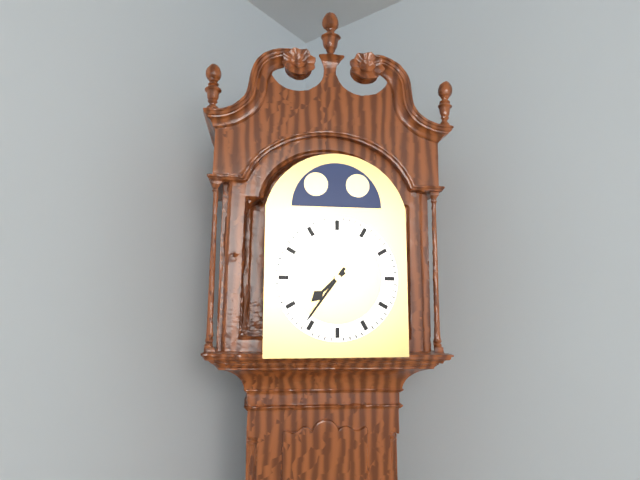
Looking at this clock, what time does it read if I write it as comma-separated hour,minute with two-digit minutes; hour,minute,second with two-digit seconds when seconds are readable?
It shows 7,36
